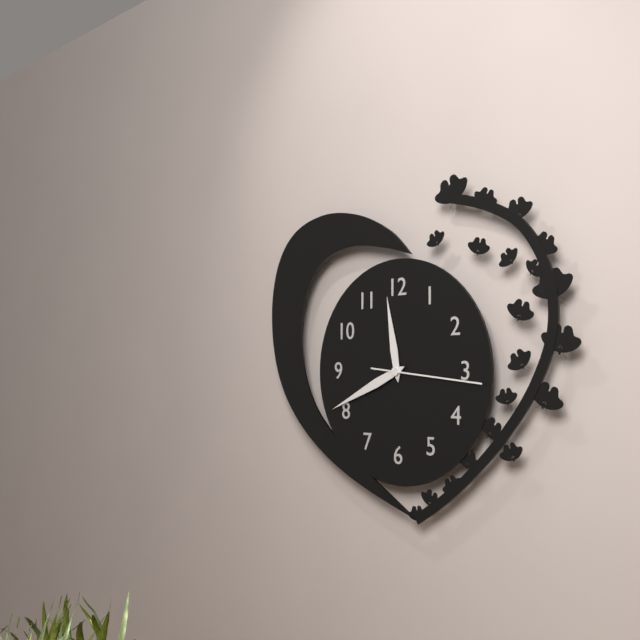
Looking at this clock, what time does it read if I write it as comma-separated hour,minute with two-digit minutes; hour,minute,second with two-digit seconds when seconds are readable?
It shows 11,41,16
